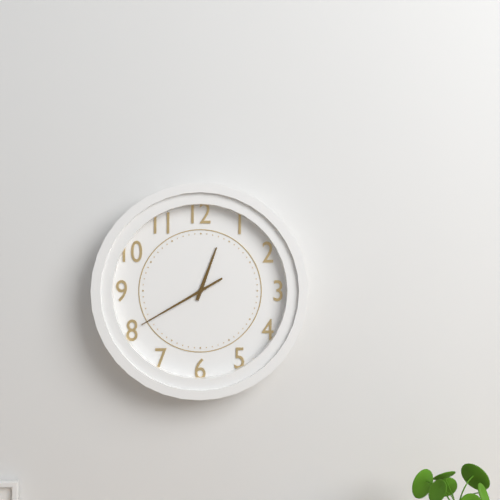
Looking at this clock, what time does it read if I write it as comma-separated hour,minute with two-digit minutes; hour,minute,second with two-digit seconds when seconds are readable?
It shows 12,40
